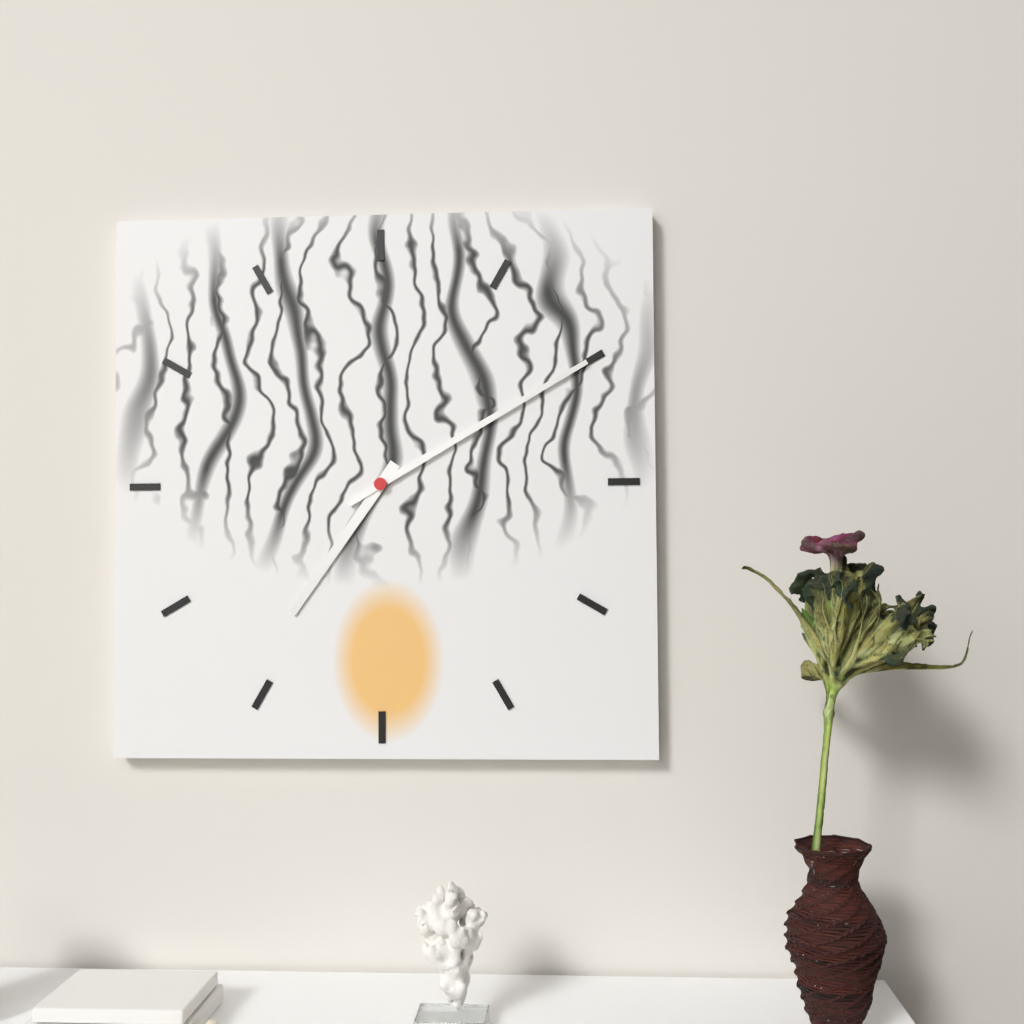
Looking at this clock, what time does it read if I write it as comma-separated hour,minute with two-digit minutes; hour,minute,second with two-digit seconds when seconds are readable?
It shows 7,10
